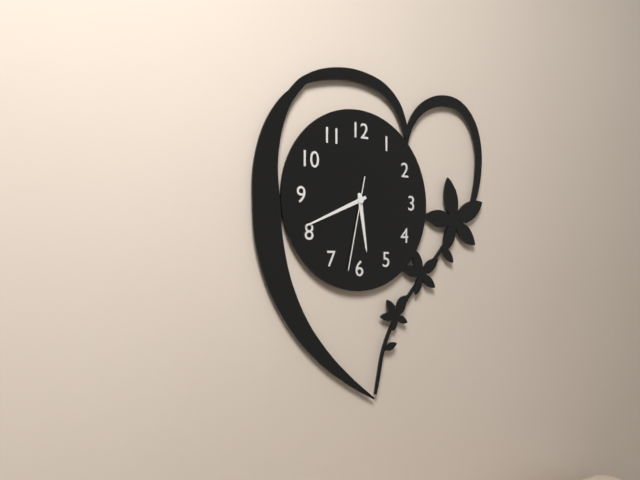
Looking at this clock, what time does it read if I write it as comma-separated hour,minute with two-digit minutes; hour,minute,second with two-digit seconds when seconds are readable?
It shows 5,41,32
